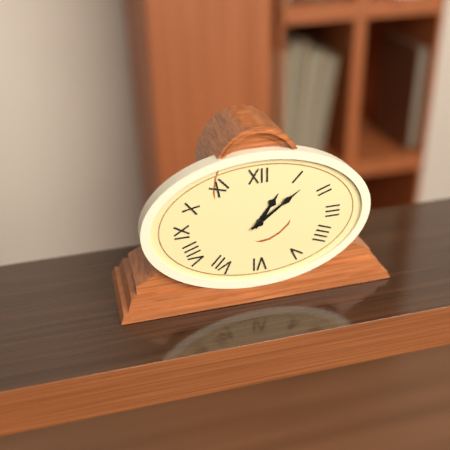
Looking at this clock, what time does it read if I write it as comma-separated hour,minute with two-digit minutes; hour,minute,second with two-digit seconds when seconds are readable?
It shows 1,09
